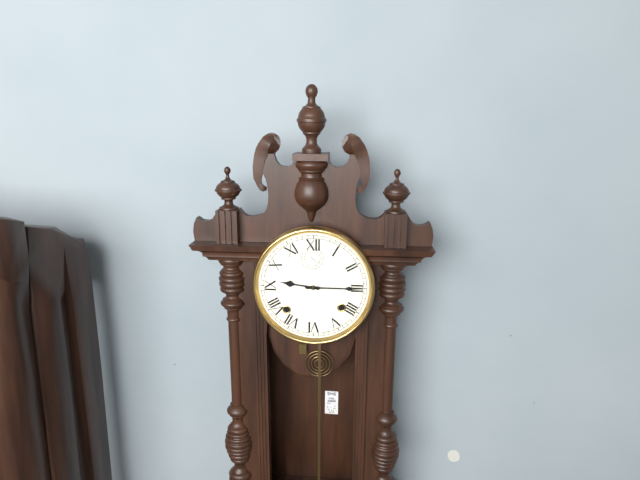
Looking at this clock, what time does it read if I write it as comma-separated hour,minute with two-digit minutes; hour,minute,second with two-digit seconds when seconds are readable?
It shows 9,15
